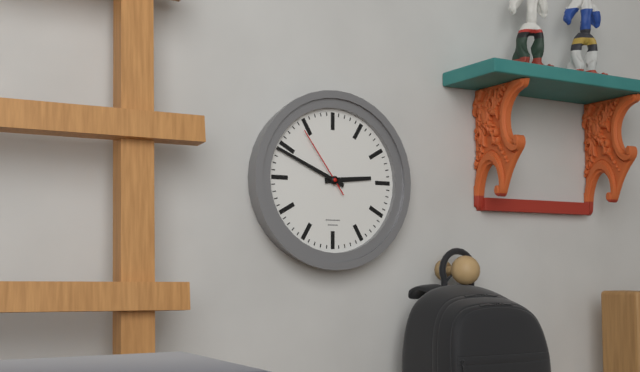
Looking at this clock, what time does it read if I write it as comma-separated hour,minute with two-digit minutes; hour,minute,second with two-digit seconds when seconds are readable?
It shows 2,49,54
